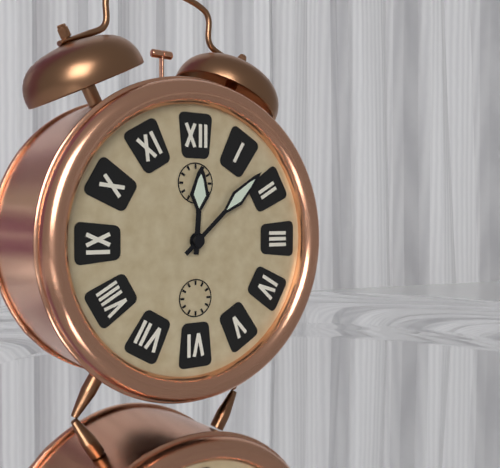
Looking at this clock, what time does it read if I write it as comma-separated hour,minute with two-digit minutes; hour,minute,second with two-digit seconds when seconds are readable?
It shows 12,08
